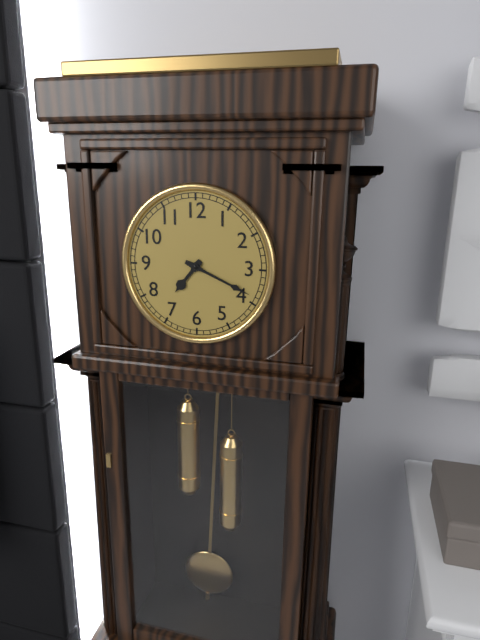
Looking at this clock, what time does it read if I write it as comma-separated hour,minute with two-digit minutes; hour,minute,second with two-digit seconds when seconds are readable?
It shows 7,19
